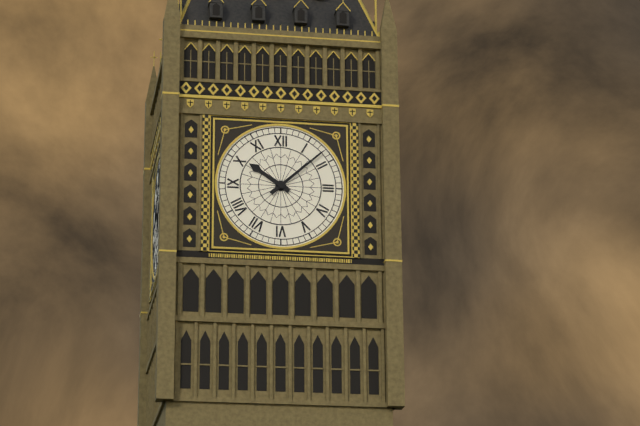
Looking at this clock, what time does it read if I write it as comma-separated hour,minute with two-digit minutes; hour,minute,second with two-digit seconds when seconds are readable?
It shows 10,08
